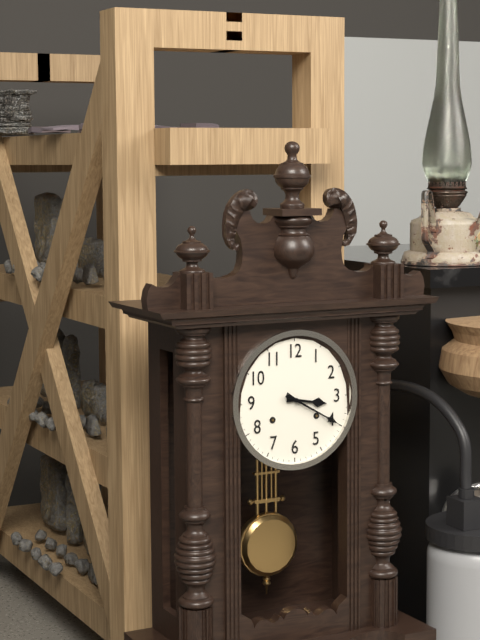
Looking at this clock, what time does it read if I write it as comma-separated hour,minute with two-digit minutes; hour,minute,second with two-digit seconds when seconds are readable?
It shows 3,20
